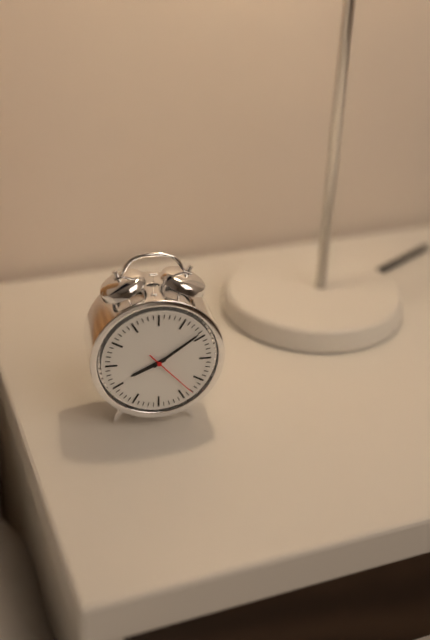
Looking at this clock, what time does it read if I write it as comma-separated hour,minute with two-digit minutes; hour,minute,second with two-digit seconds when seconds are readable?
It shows 8,09,23
